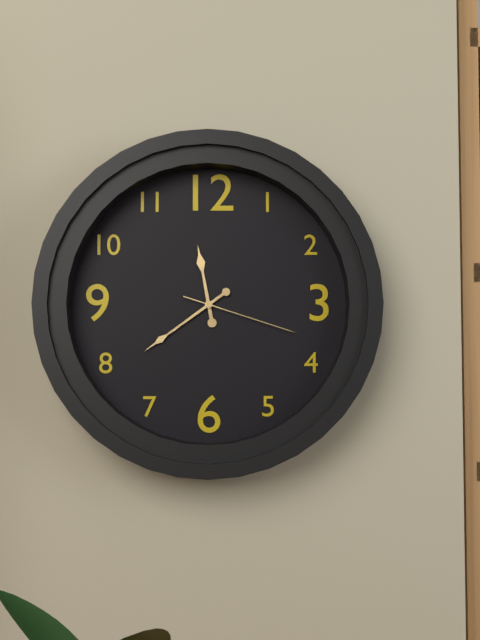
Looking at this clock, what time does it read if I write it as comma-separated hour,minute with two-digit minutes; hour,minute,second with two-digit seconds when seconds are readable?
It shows 11,39,18
